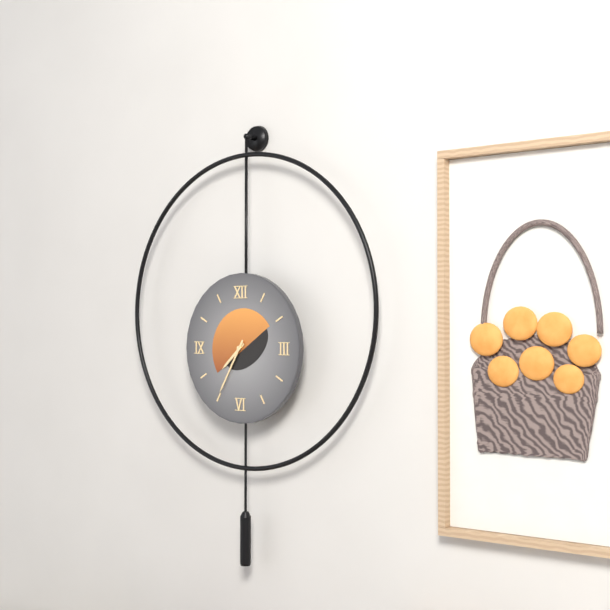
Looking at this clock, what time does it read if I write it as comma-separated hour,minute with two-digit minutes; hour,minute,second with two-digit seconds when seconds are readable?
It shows 7,35
